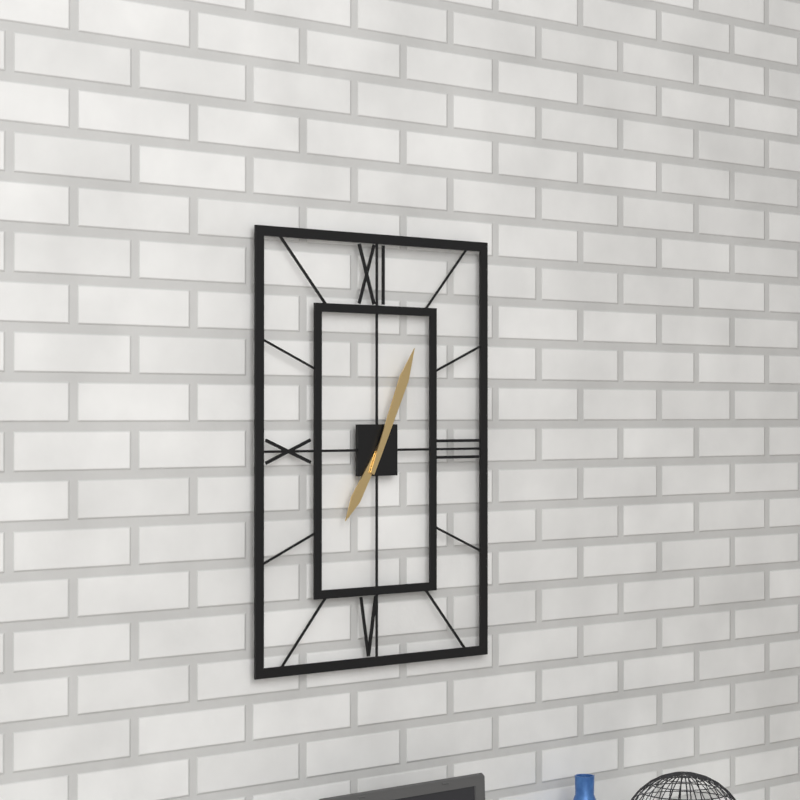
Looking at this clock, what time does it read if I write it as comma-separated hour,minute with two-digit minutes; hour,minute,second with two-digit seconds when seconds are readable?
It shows 7,04
